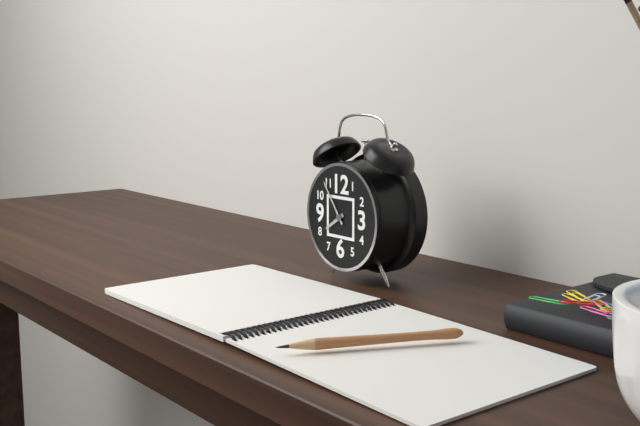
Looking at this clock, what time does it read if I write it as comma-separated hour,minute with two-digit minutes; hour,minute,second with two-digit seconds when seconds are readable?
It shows 7,54
